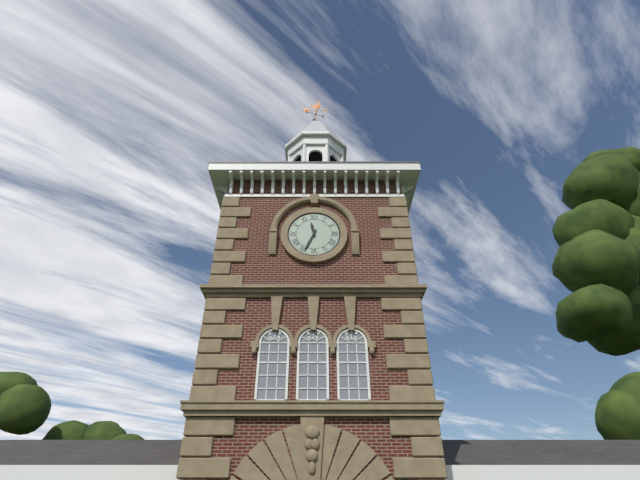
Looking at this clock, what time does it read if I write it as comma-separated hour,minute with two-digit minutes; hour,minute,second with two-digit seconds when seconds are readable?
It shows 11,34
